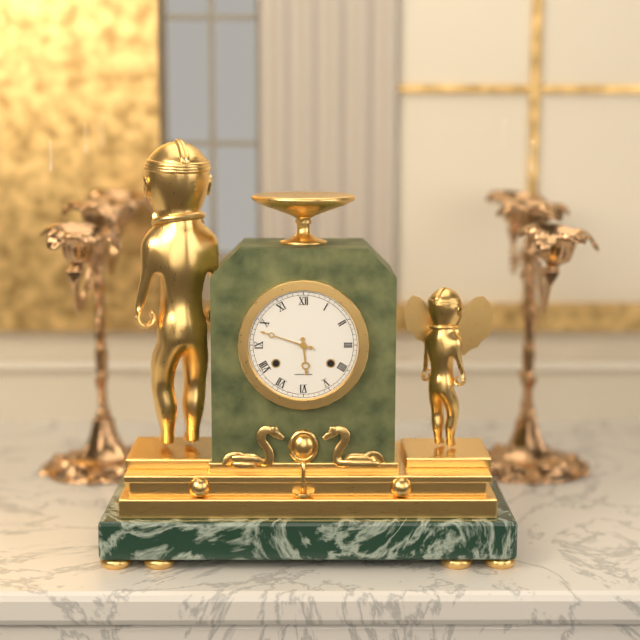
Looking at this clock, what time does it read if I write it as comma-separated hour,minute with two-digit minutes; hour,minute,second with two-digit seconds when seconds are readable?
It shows 5,48
